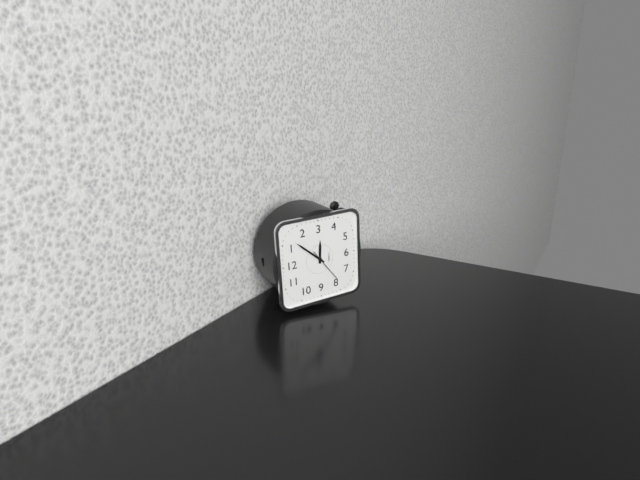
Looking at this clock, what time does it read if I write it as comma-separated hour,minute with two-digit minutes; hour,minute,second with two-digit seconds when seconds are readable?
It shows 3,07
